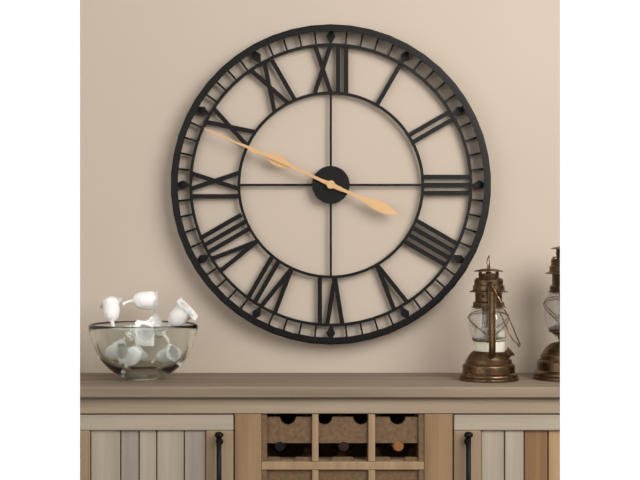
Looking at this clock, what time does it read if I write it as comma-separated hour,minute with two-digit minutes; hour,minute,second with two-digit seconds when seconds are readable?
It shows 9,49
